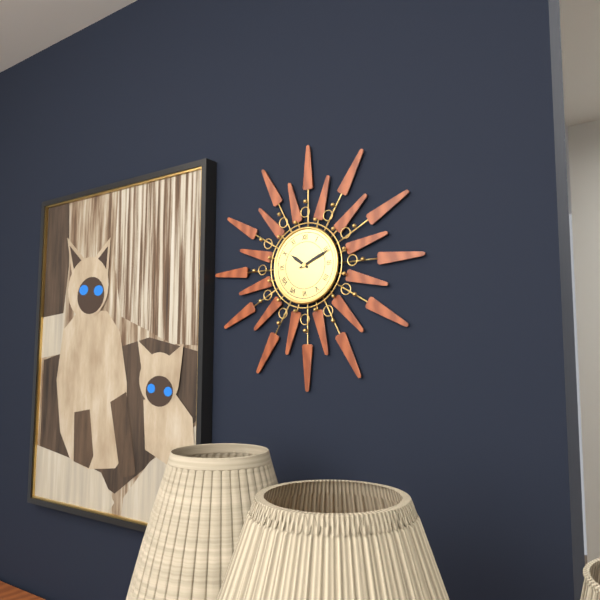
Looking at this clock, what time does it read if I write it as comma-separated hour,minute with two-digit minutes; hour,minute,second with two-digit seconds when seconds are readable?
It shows 10,11
